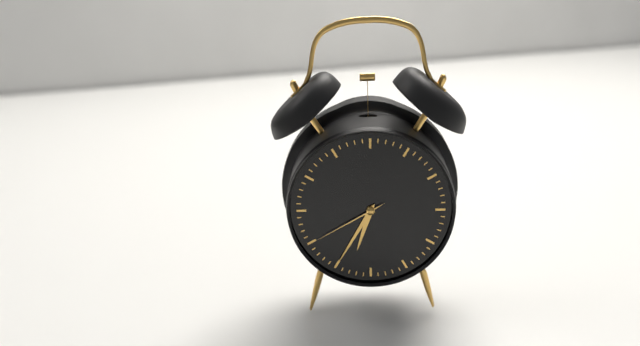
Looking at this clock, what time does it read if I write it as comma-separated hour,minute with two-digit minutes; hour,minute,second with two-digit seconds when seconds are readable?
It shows 6,35,40
